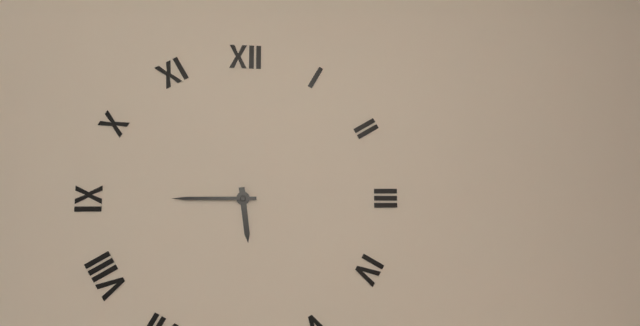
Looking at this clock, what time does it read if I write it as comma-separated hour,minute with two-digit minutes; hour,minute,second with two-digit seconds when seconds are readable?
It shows 5,45
